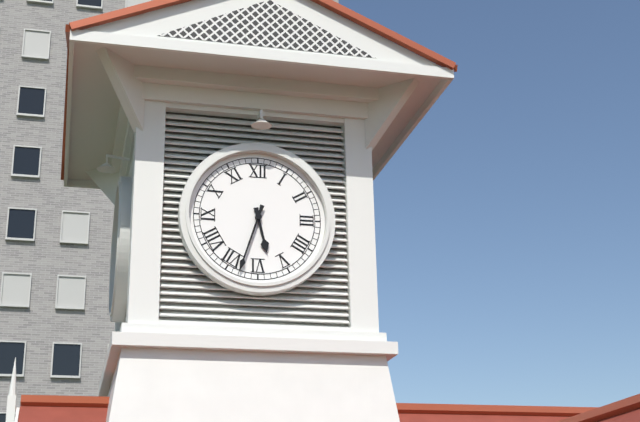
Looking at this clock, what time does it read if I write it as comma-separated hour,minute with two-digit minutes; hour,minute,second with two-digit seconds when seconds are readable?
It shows 5,33
